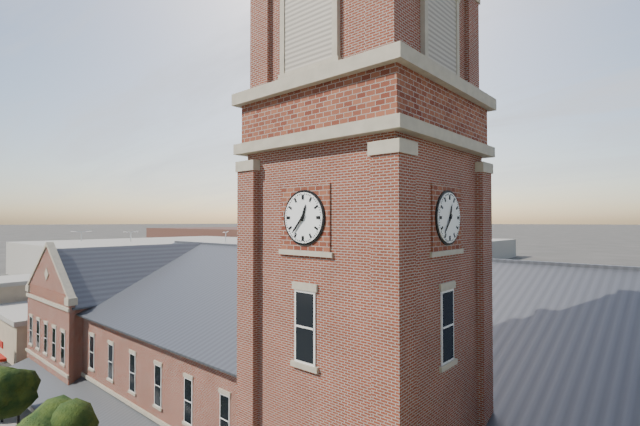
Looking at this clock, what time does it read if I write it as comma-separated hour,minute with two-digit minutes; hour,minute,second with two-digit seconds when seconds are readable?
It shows 12,37
